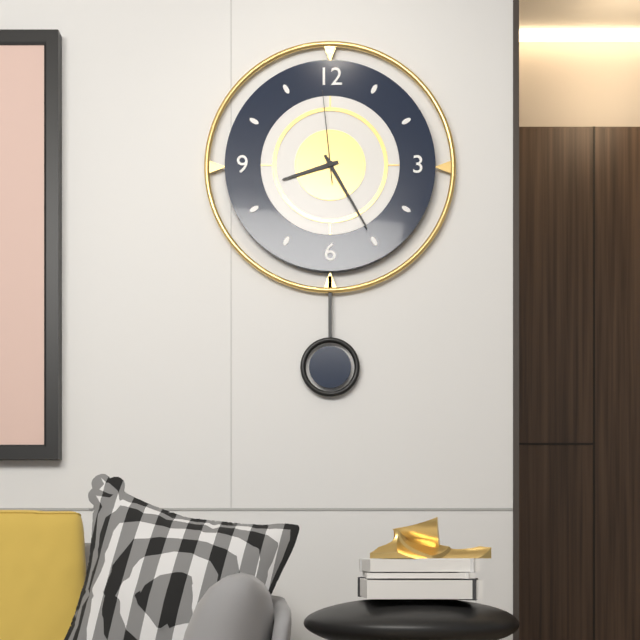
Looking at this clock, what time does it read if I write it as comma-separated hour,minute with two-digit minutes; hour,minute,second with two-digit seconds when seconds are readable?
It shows 8,25,59
